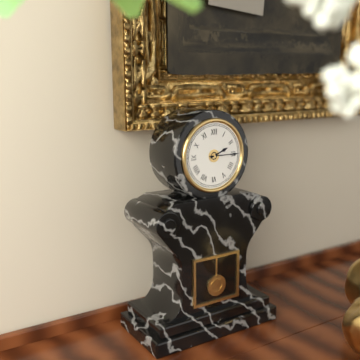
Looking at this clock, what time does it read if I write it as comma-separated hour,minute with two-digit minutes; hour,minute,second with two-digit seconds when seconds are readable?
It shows 2,15
